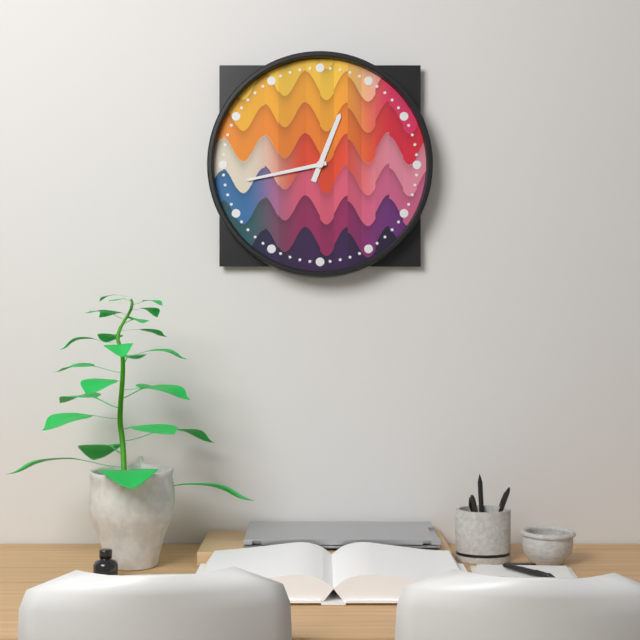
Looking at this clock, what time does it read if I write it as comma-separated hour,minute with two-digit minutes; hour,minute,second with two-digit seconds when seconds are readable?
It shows 12,43
